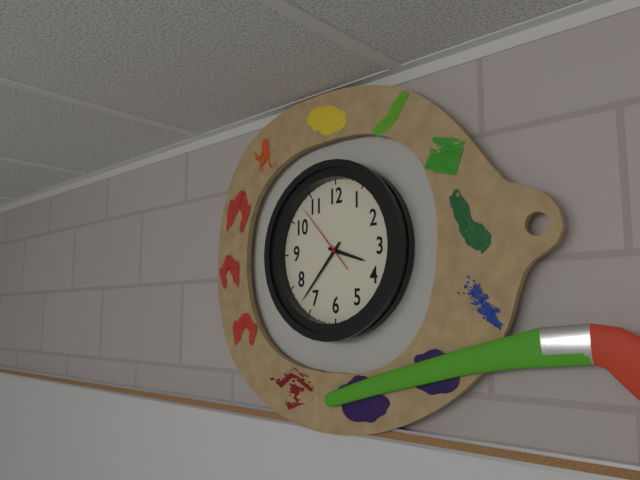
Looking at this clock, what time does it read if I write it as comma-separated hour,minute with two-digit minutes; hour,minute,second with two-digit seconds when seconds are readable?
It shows 3,37,53
